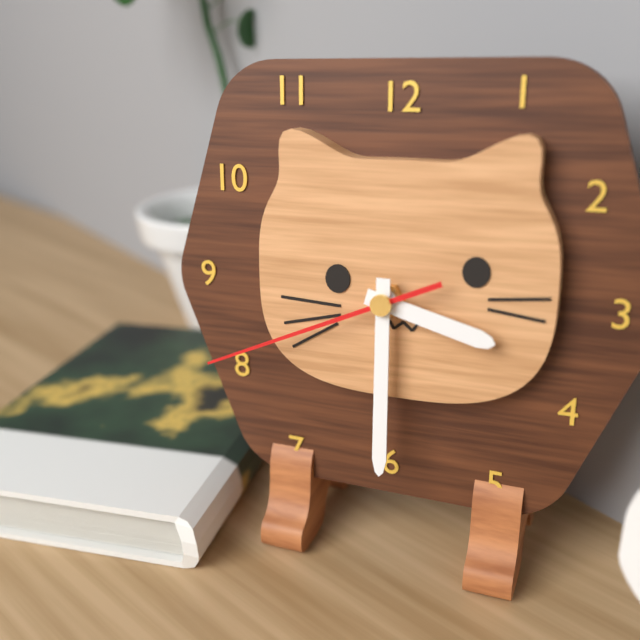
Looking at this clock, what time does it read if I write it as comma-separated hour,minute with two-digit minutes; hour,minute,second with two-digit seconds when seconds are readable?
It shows 3,30,41
